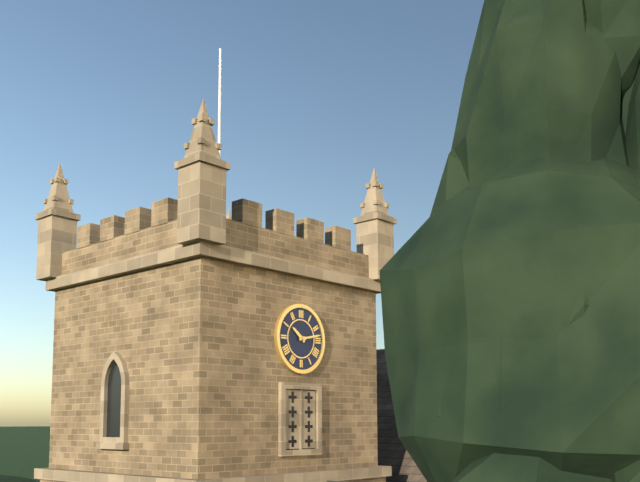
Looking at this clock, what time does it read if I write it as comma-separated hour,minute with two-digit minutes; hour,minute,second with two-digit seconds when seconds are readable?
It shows 10,13
